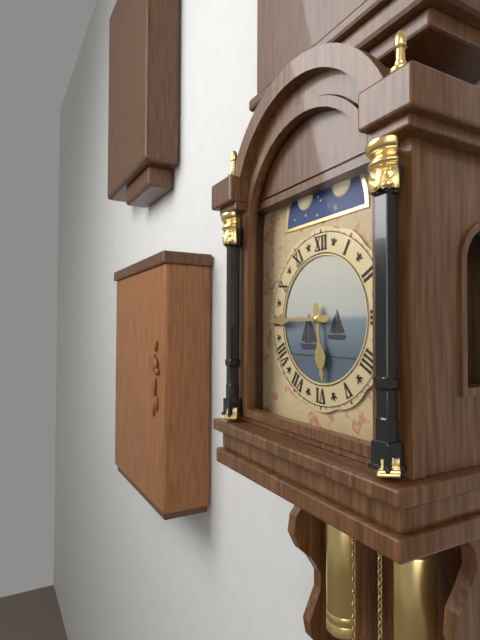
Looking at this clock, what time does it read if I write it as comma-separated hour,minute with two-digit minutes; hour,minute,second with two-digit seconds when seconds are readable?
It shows 5,45
